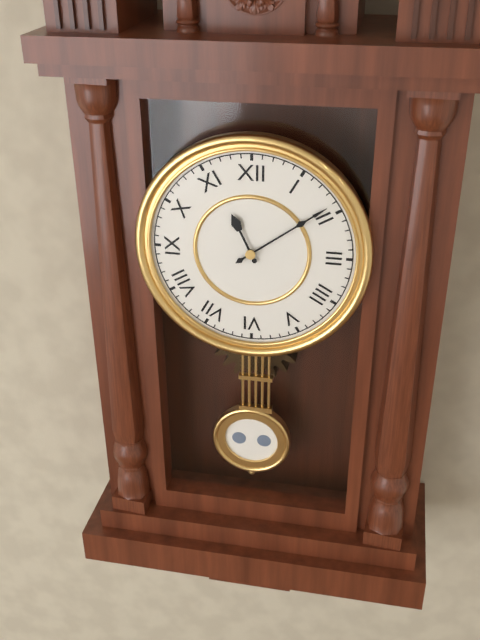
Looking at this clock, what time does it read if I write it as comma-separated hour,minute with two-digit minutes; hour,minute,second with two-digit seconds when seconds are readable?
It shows 11,09
